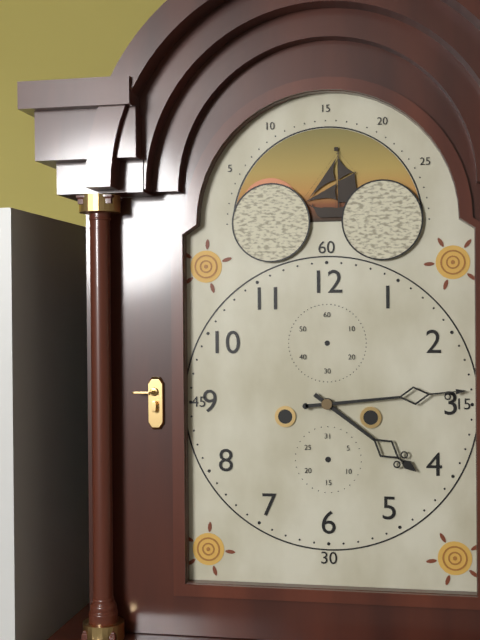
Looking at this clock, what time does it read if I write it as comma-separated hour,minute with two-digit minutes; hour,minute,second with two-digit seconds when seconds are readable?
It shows 4,14
